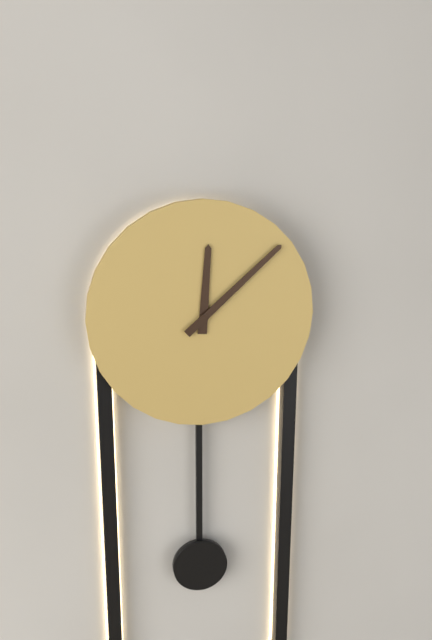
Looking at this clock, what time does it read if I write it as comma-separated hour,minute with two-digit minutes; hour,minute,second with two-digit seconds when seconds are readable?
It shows 12,08
